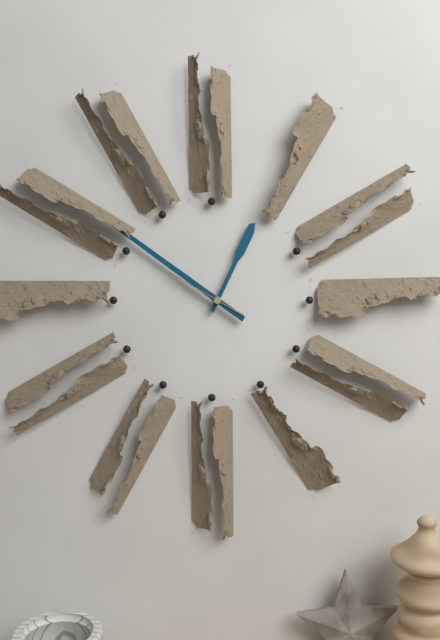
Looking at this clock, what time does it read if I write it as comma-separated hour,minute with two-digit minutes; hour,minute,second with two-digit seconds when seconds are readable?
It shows 12,51,50
